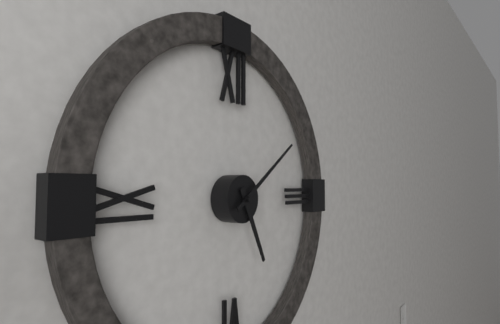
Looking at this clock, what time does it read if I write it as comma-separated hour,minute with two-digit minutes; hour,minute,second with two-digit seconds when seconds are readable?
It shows 5,09
